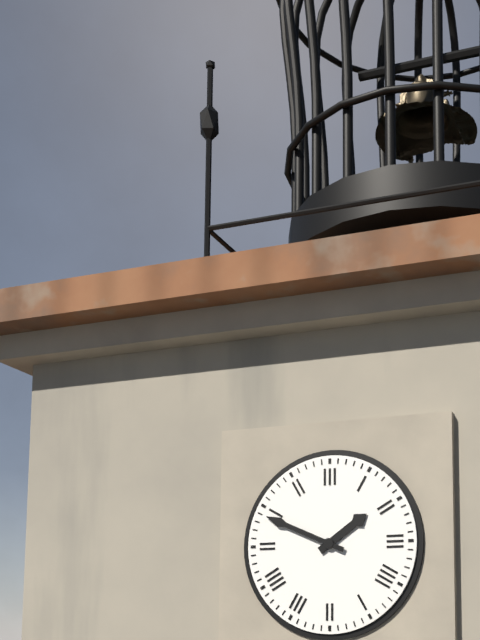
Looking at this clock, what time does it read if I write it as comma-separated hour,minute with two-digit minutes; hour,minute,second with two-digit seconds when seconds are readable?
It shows 1,49
